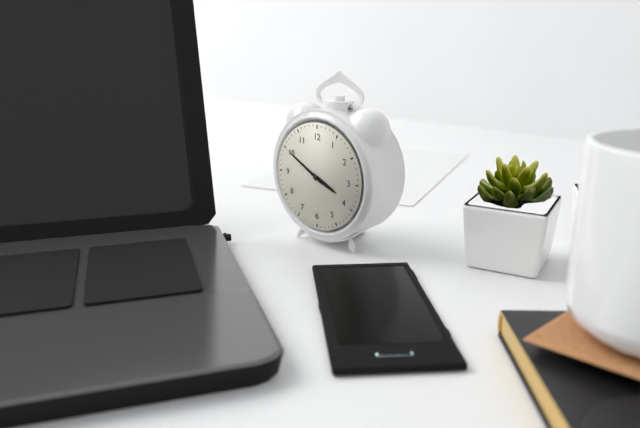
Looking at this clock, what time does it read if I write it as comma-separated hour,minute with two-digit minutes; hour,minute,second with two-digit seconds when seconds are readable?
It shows 3,50
